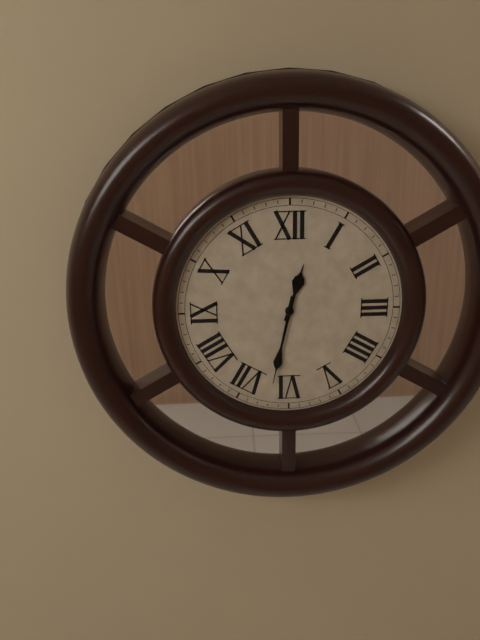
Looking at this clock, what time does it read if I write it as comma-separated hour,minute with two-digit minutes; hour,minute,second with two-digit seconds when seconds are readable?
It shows 12,32
